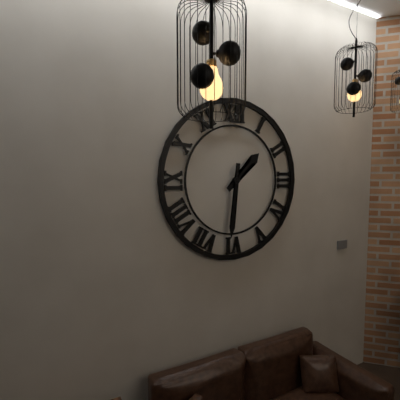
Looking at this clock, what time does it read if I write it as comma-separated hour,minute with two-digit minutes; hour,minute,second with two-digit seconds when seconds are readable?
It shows 1,31
